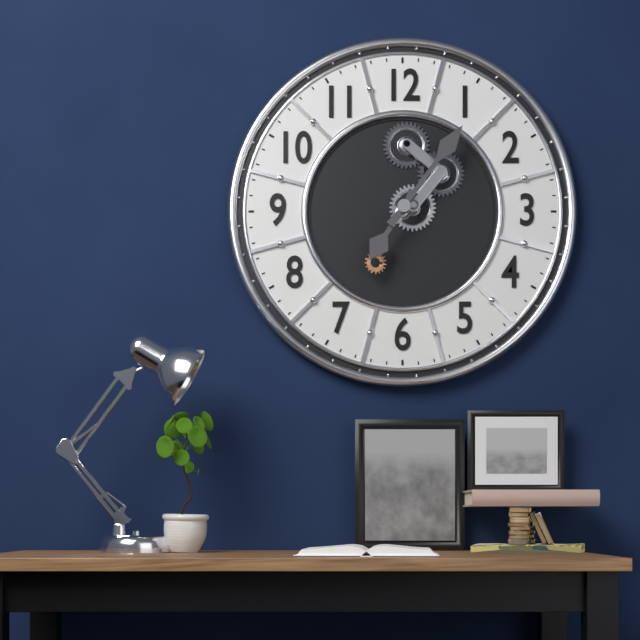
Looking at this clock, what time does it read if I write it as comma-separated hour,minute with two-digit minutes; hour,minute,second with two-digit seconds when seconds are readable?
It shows 7,06
